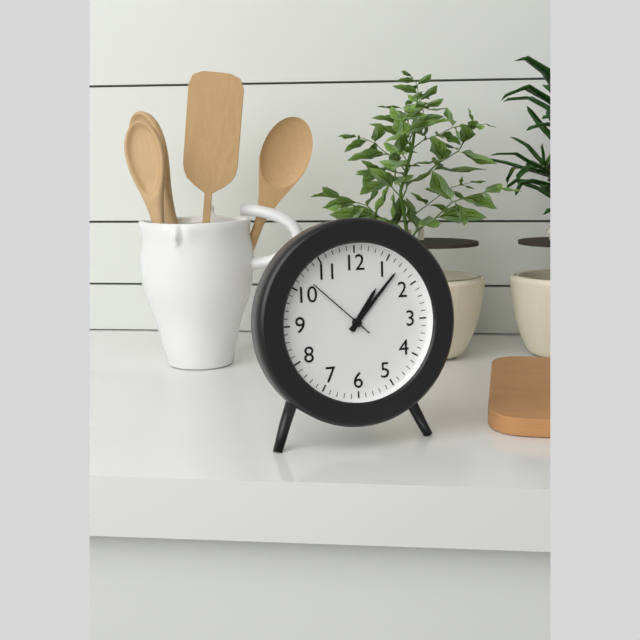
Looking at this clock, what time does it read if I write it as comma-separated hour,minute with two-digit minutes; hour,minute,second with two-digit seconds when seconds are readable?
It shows 1,07,52
